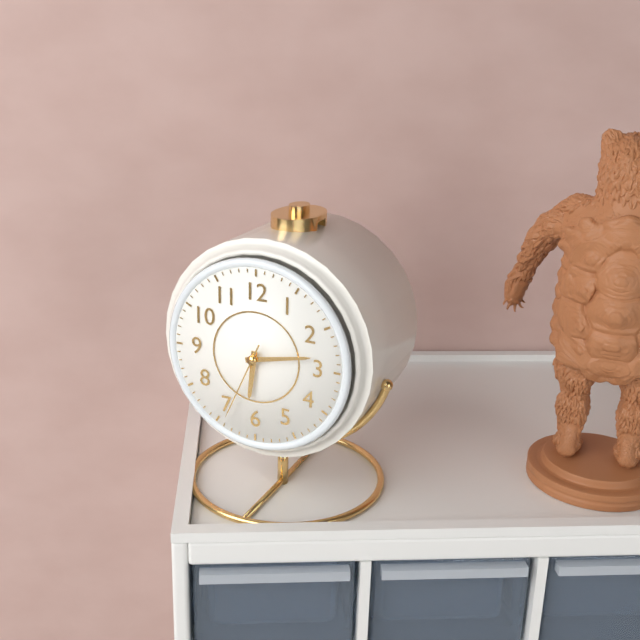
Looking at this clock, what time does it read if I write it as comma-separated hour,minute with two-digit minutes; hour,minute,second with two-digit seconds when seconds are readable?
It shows 6,13,34
